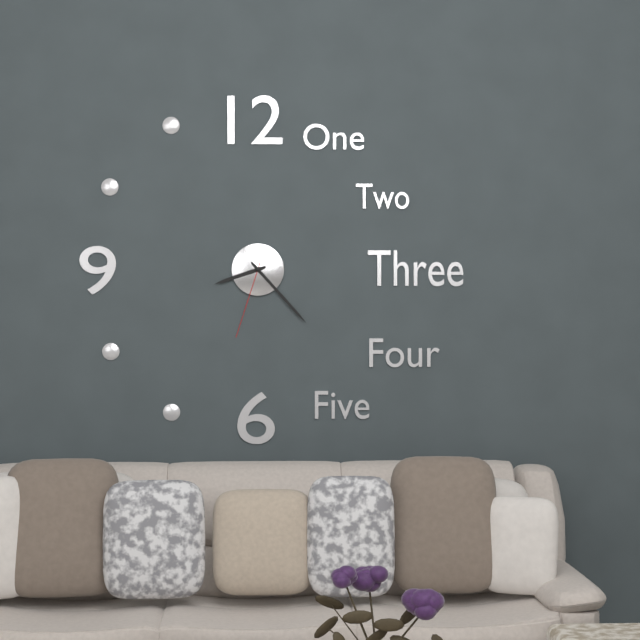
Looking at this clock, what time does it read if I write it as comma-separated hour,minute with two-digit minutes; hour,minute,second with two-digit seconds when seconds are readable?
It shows 8,23,33
